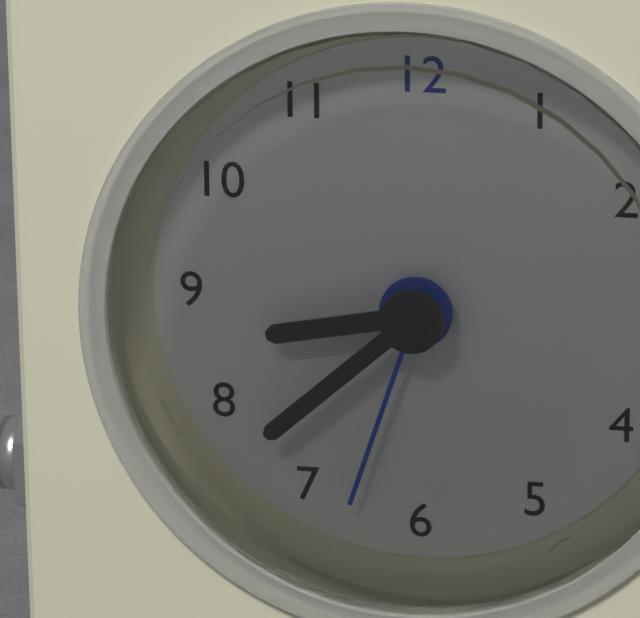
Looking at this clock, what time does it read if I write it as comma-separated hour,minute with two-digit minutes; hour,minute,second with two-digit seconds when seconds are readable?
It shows 8,38,33
